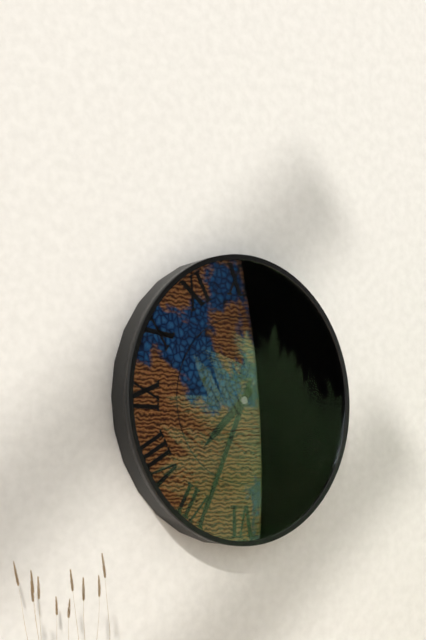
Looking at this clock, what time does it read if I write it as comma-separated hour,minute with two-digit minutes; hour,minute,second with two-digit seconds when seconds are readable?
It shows 7,34
